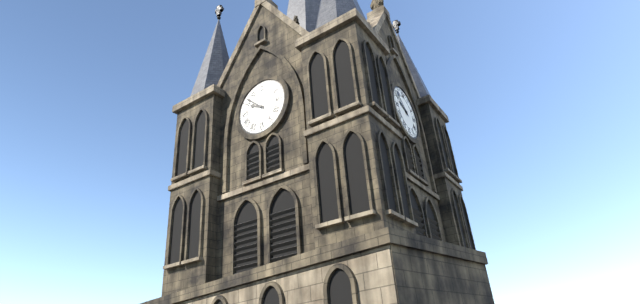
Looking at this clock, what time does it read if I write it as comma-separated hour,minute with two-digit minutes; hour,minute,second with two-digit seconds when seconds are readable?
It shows 9,52
